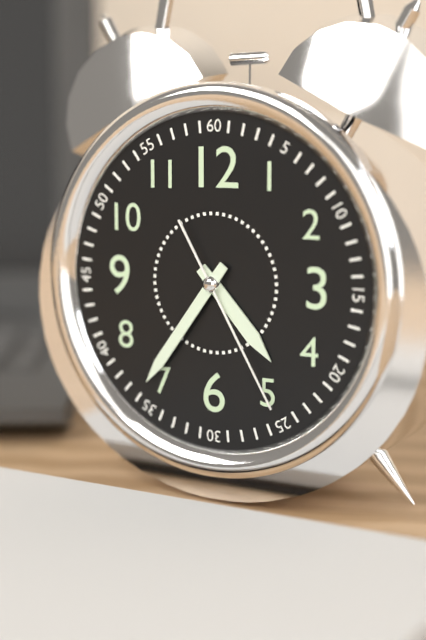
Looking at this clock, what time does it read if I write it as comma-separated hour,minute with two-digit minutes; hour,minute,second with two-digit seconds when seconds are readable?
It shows 4,36,25
